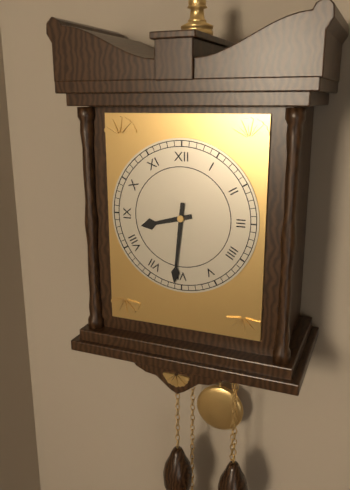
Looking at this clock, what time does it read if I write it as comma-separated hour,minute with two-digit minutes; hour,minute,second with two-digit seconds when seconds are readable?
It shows 8,31
